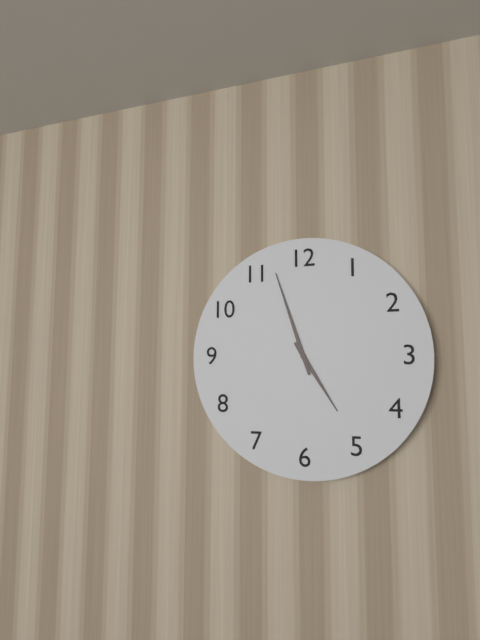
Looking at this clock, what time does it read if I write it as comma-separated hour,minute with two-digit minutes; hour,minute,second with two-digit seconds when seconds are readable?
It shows 4,57
